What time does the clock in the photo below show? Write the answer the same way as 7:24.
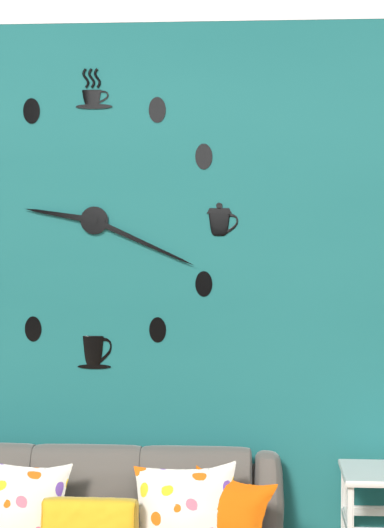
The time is 9:19
